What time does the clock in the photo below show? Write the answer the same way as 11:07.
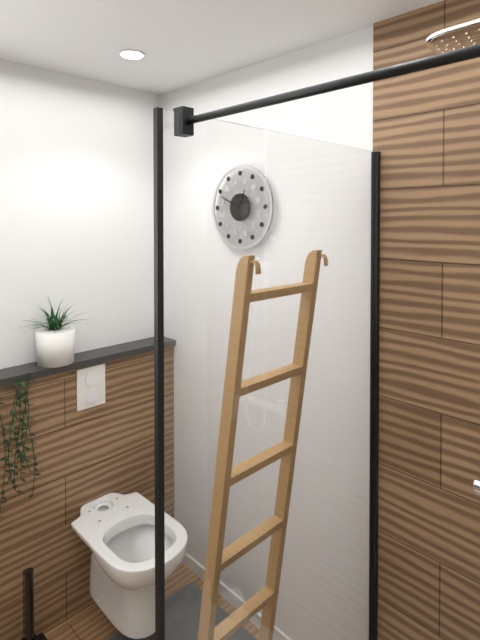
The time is 12:49
